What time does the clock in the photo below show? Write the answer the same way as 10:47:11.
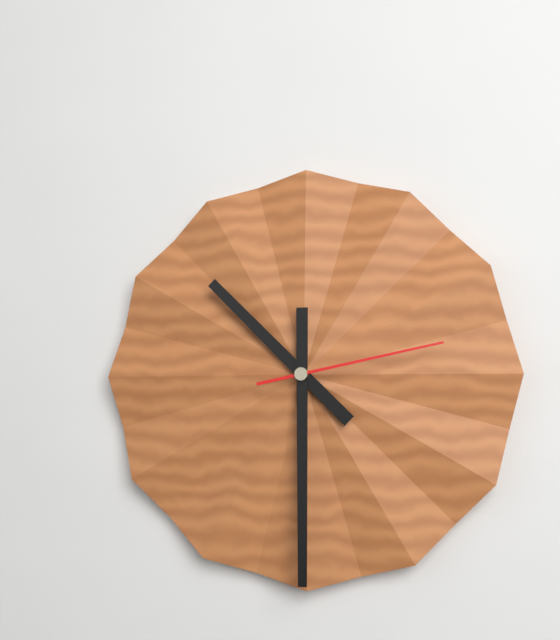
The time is 10:30:13
